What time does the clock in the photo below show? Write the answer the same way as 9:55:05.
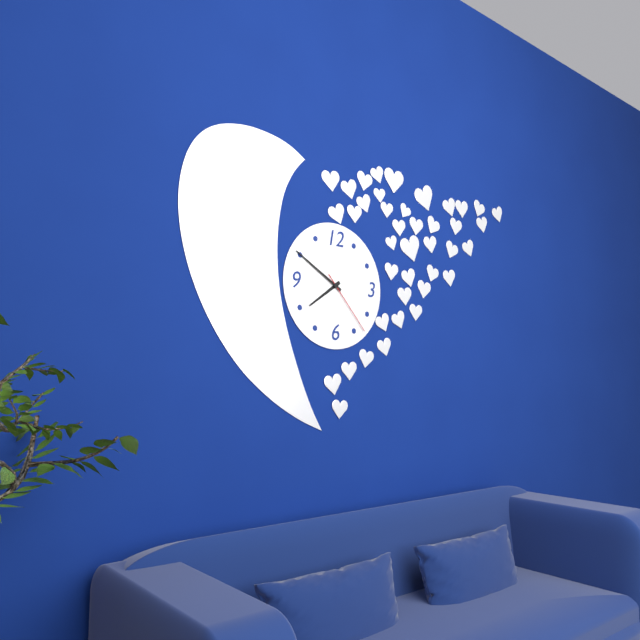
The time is 7:50:23
